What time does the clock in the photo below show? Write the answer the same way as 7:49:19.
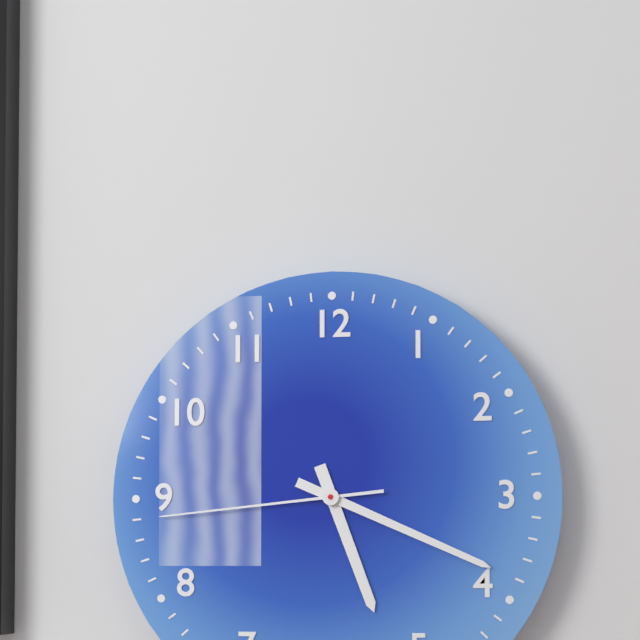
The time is 5:19:44
